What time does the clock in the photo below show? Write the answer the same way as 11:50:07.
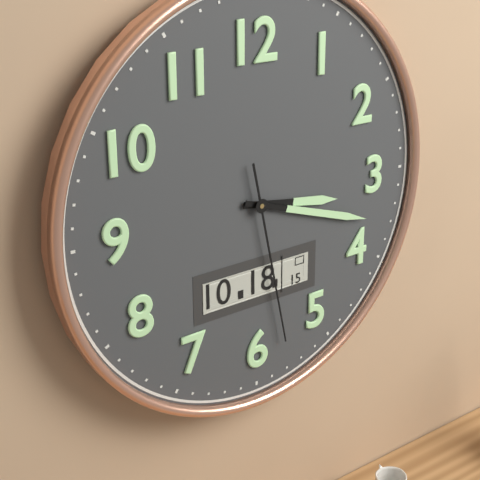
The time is 3:18:28
